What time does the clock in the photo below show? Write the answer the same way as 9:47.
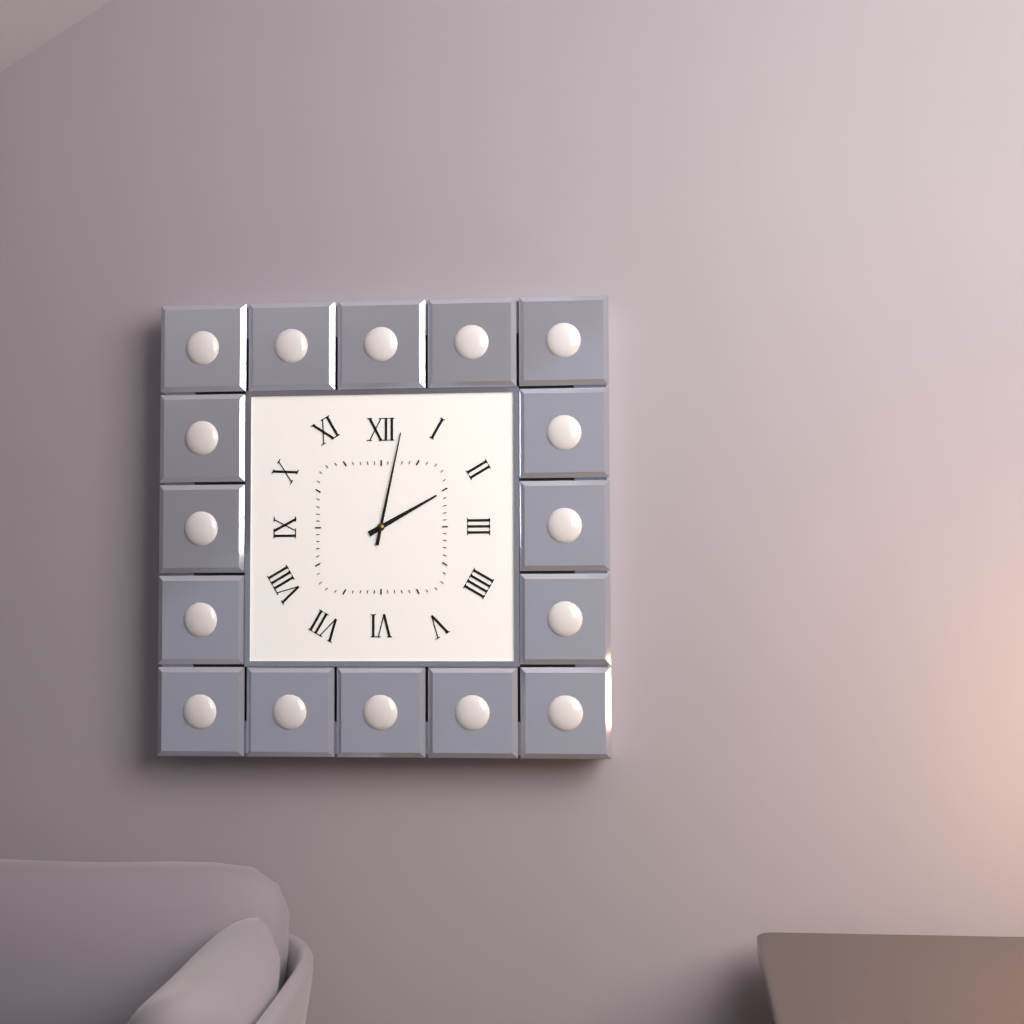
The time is 2:02
